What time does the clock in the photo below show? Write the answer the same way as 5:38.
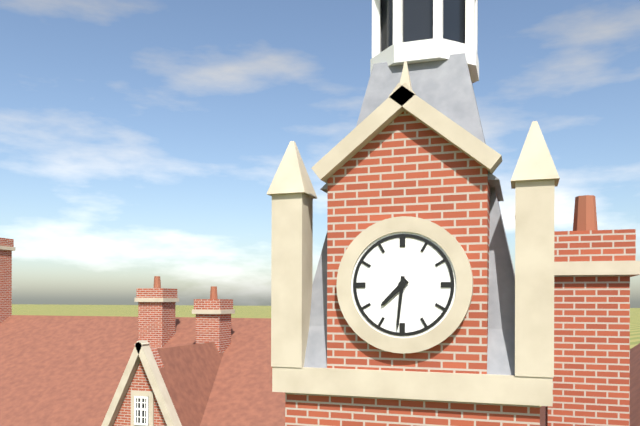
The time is 7:31
